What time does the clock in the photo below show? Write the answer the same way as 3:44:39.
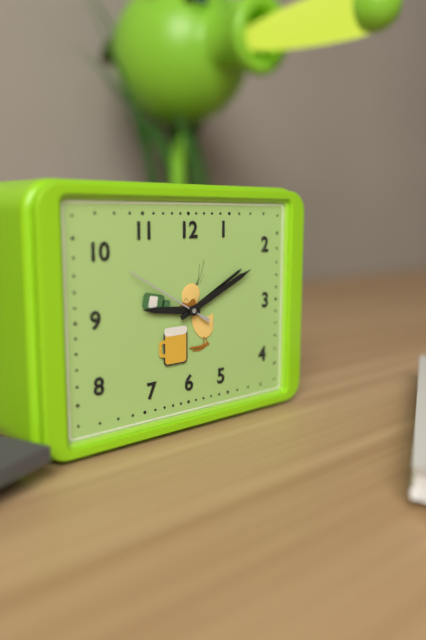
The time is 9:11:50
